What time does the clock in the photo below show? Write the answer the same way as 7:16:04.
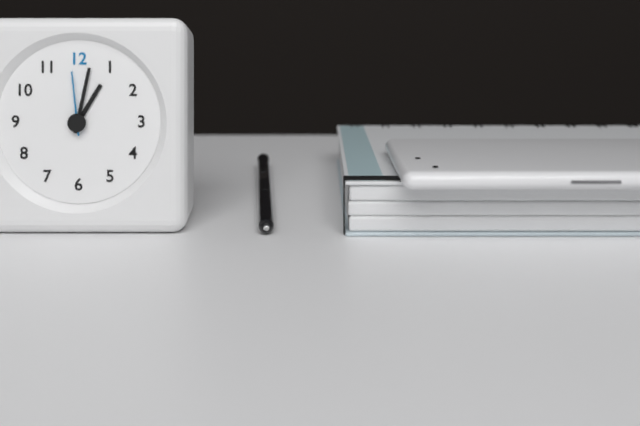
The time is 1:02:59
